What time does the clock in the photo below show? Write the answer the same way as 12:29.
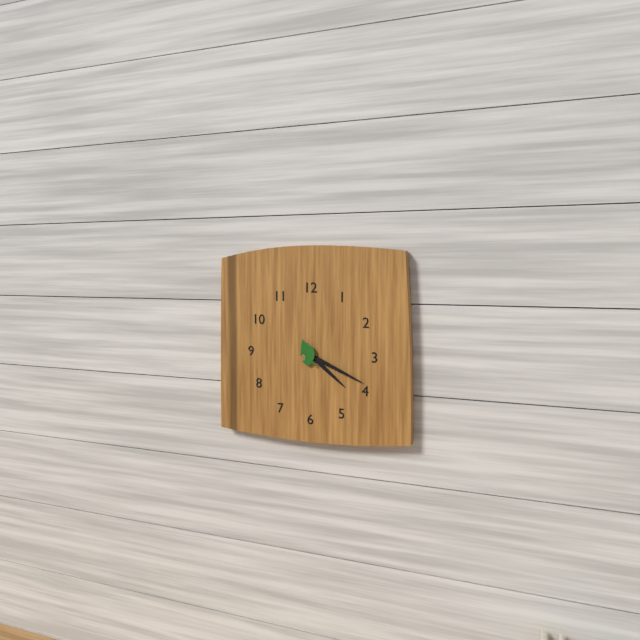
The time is 4:19
